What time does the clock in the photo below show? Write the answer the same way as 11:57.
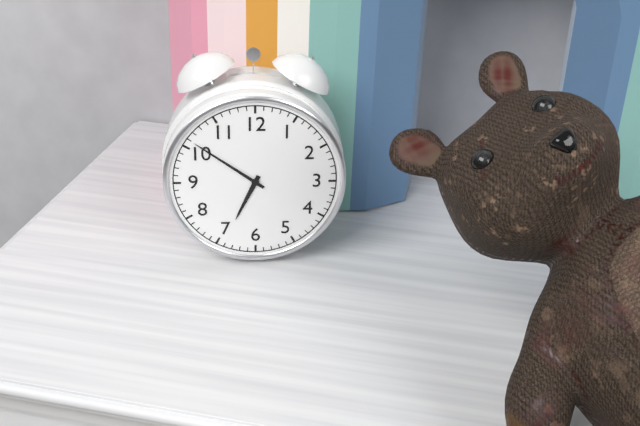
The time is 6:51
